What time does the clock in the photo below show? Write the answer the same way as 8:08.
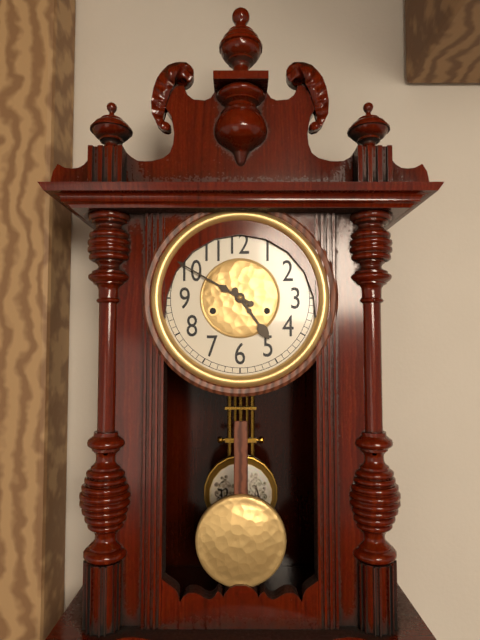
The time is 4:50
